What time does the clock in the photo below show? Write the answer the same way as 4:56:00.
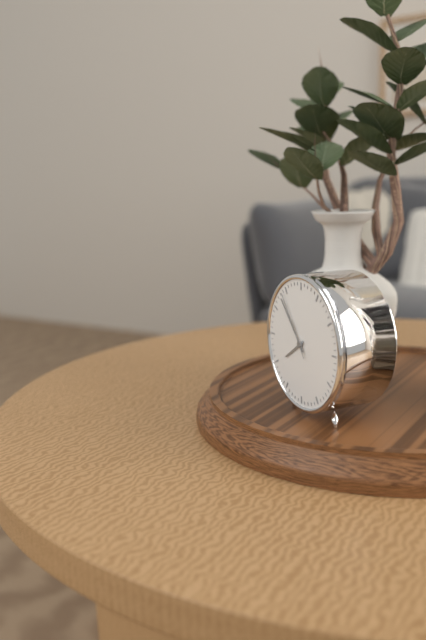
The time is 7:53:54
